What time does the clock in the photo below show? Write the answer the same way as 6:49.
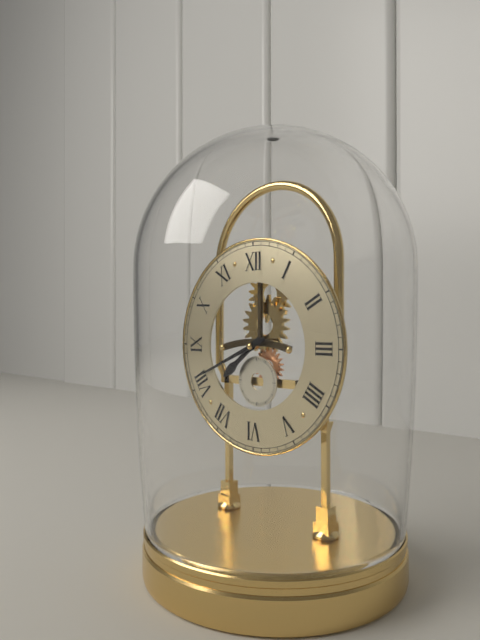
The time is 7:41
